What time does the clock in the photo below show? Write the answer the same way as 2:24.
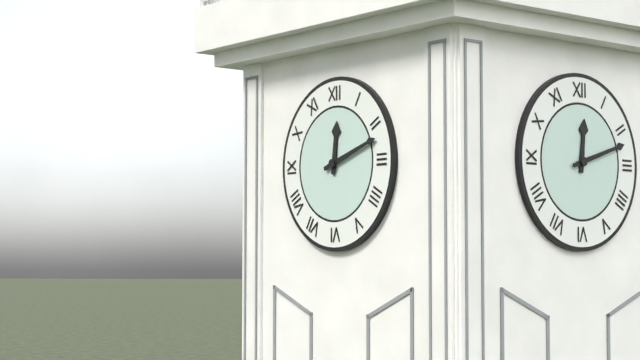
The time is 12:12
